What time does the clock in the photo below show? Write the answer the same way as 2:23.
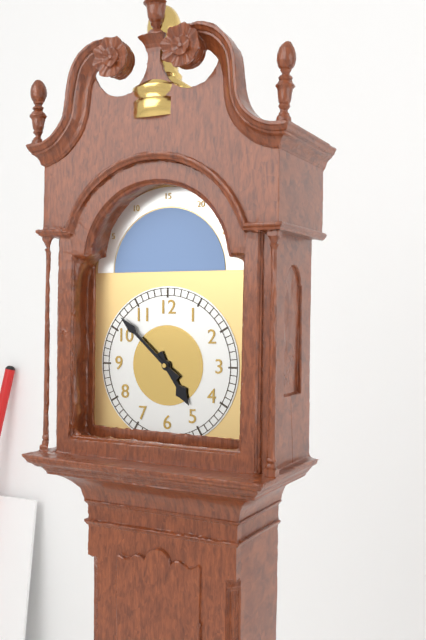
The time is 4:52
